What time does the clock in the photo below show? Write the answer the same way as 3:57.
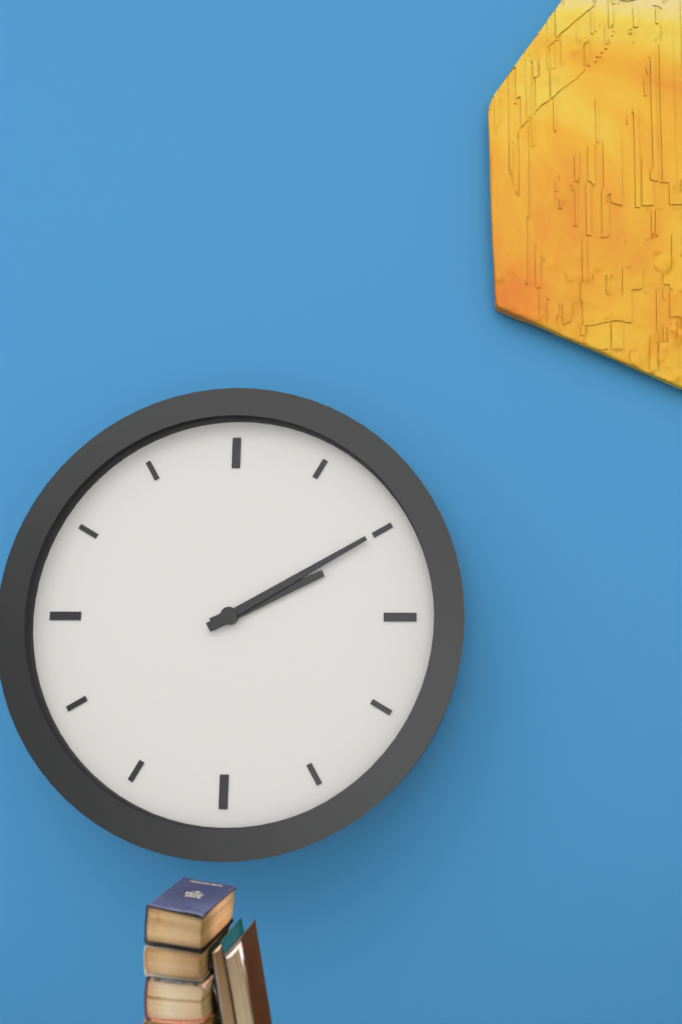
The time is 2:10
